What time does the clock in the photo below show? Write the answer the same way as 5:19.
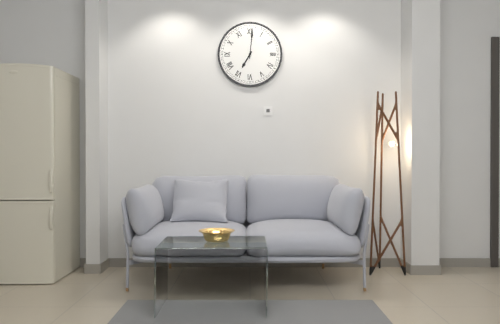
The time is 7:01
